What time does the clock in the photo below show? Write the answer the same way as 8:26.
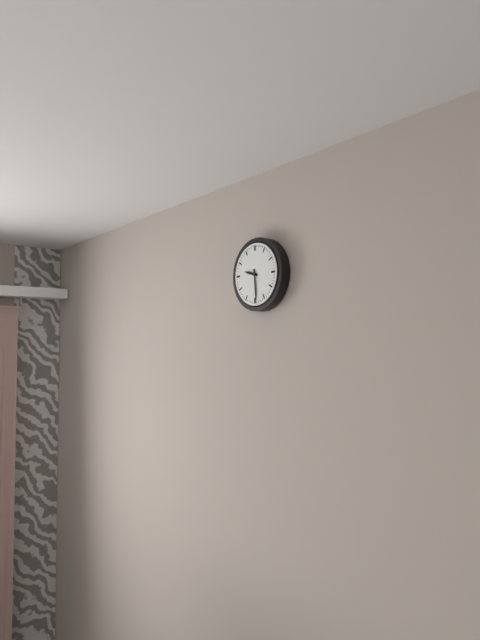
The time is 9:29
